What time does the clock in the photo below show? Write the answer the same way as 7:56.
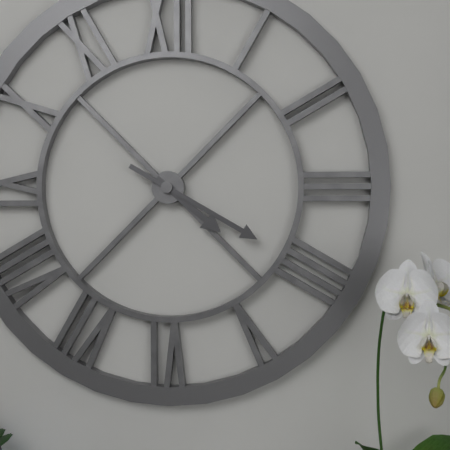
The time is 4:20
